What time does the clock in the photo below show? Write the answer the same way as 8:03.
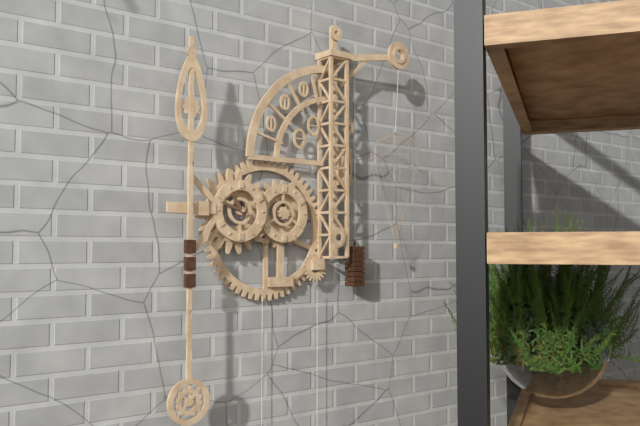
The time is 10:48
